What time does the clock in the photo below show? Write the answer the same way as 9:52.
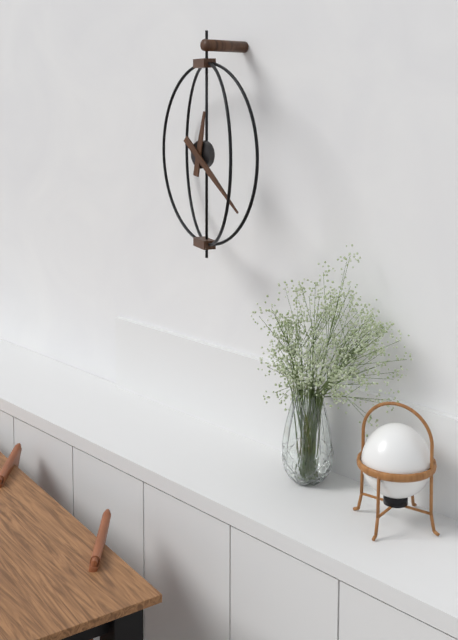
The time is 12:22
